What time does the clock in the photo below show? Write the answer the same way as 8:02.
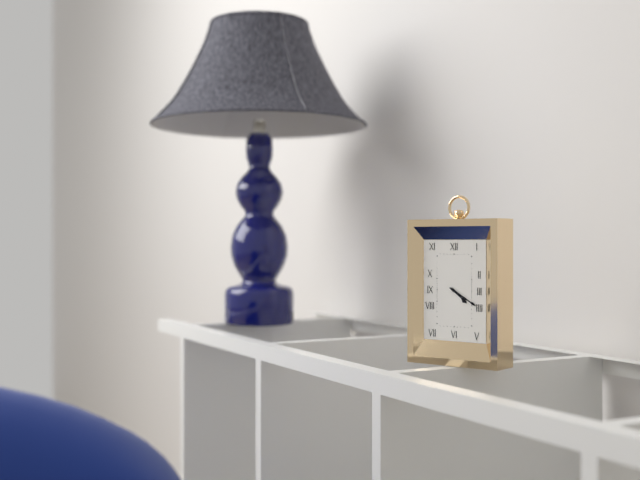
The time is 4:20
